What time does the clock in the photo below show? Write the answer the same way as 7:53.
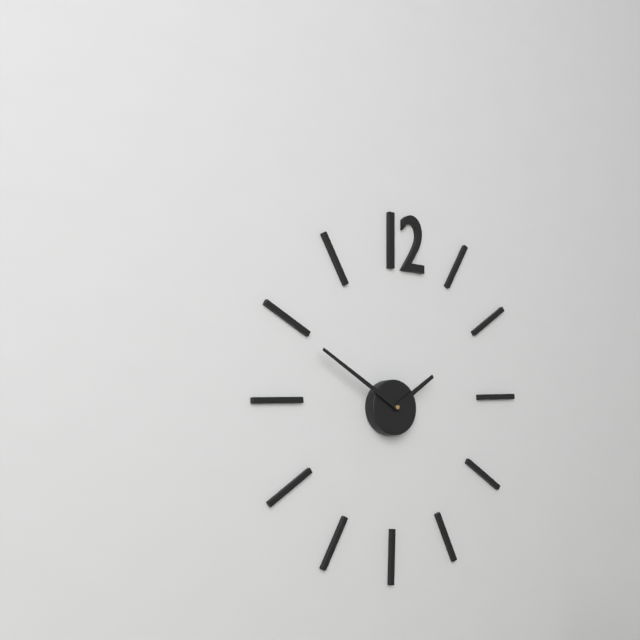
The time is 1:50
